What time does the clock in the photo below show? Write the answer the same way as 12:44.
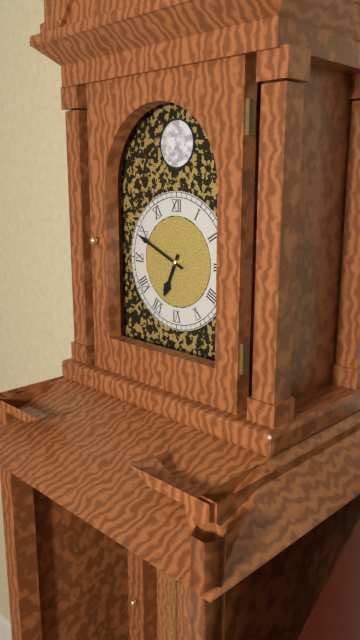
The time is 6:49
